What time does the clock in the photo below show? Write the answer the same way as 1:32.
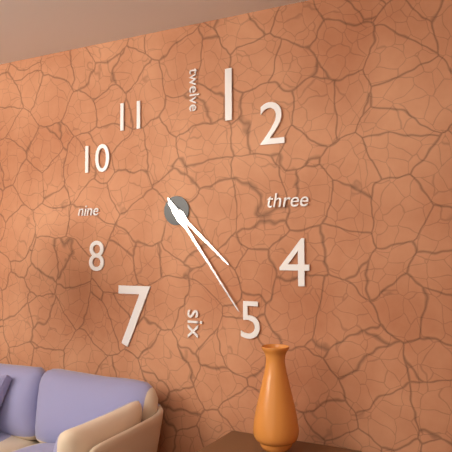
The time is 4:24
